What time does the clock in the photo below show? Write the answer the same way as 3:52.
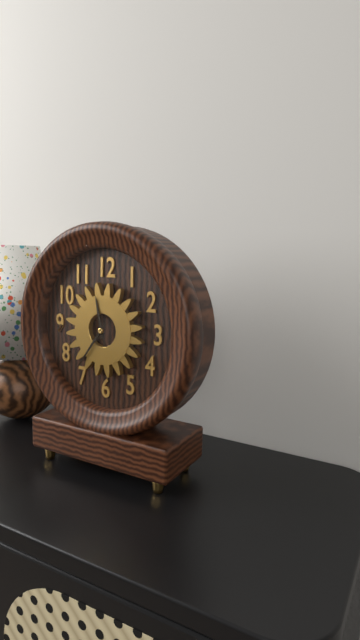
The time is 11:36
